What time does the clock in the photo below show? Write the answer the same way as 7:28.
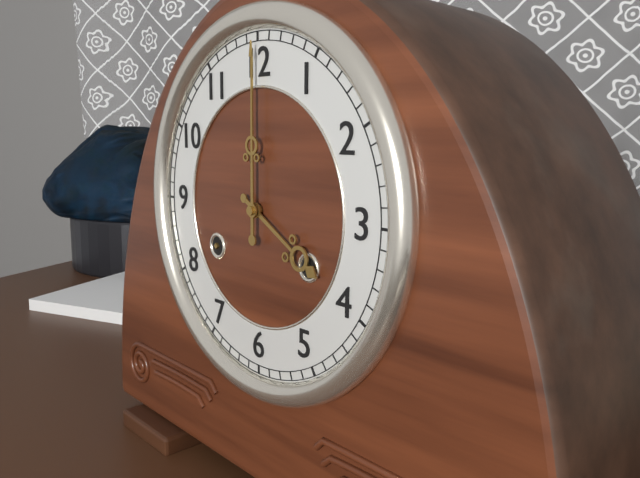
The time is 4:00
